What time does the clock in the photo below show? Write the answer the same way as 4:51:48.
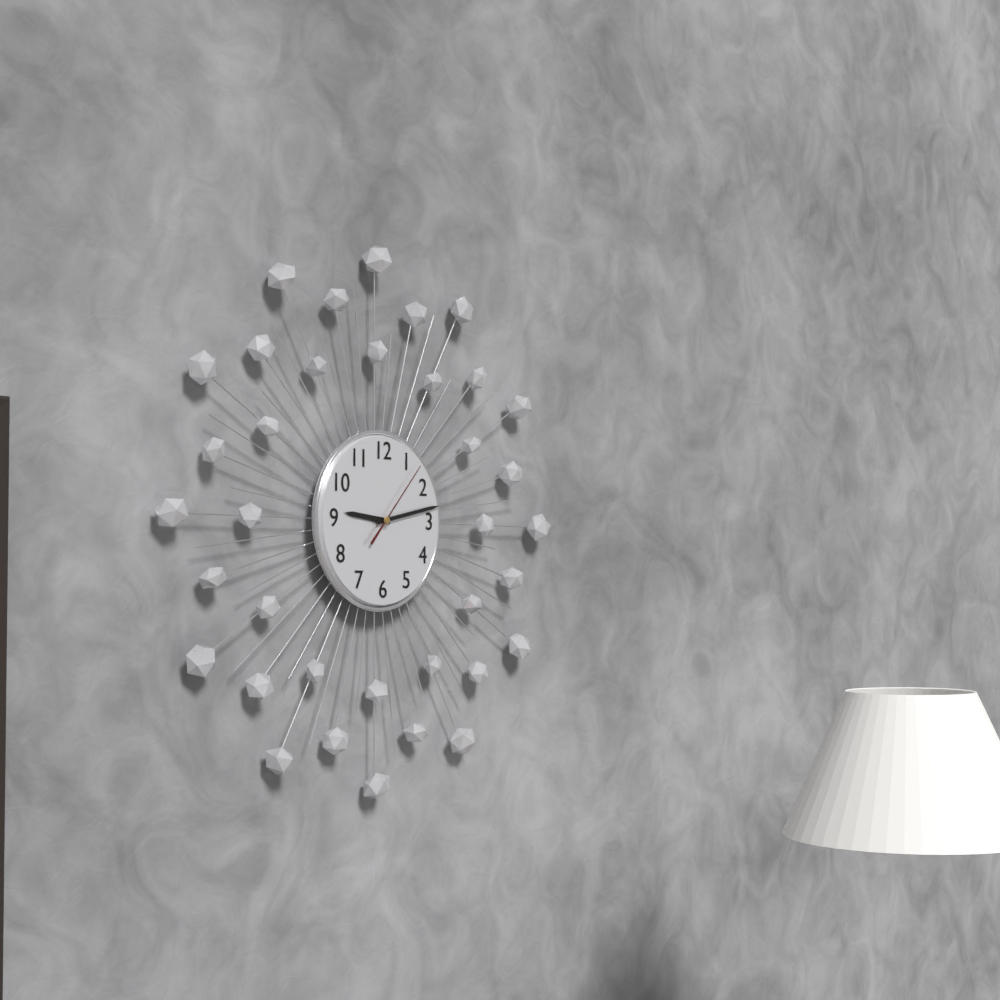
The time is 9:13:07
